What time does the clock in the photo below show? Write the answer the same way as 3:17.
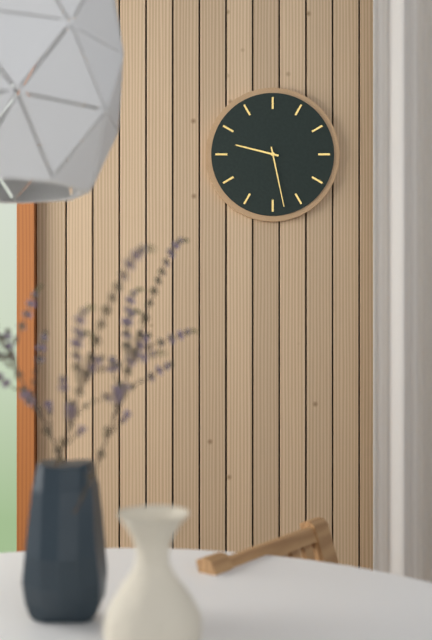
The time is 9:28
